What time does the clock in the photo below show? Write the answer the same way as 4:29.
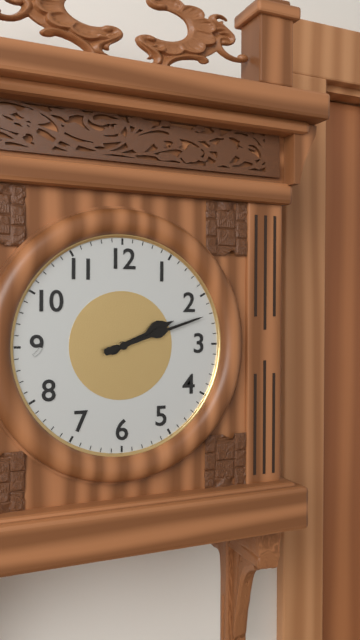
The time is 2:12
